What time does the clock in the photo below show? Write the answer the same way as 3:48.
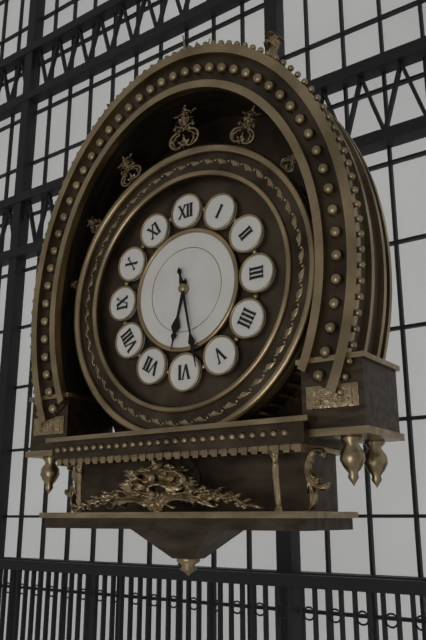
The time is 6:28
